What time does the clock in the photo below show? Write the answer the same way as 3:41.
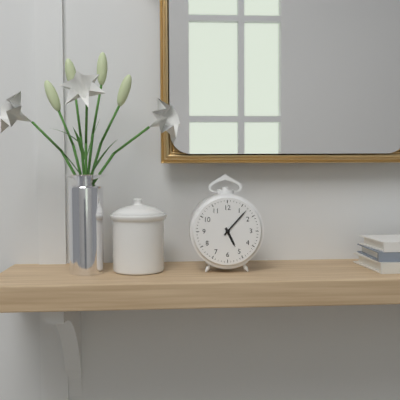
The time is 5:07
